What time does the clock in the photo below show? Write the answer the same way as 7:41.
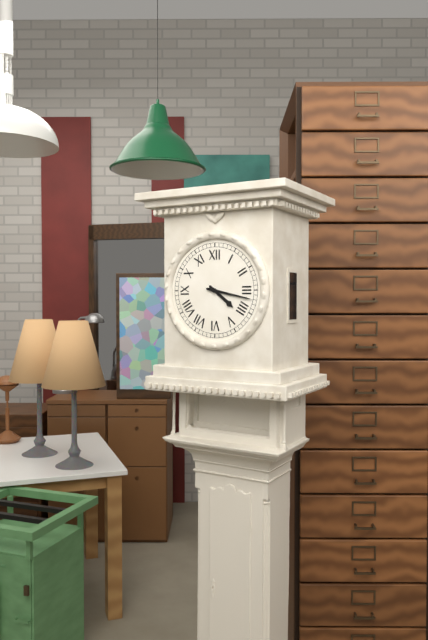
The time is 4:17
